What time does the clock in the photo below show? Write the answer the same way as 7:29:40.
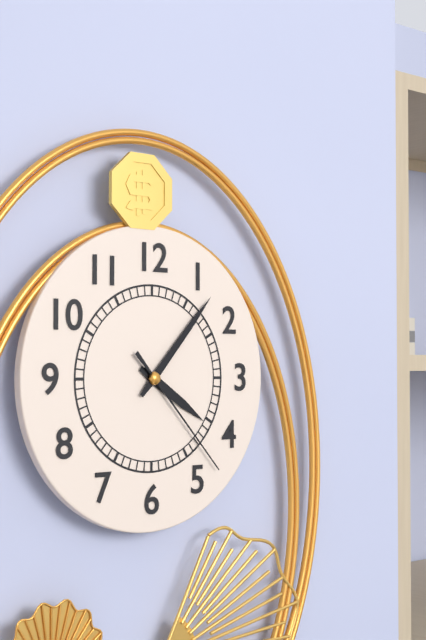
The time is 4:07:23
